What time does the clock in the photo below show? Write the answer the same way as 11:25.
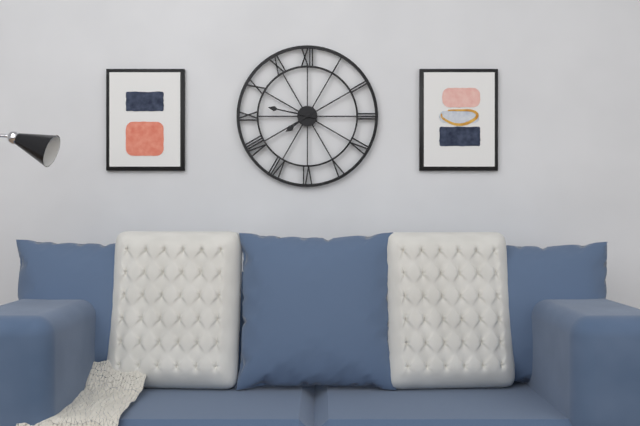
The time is 7:47
